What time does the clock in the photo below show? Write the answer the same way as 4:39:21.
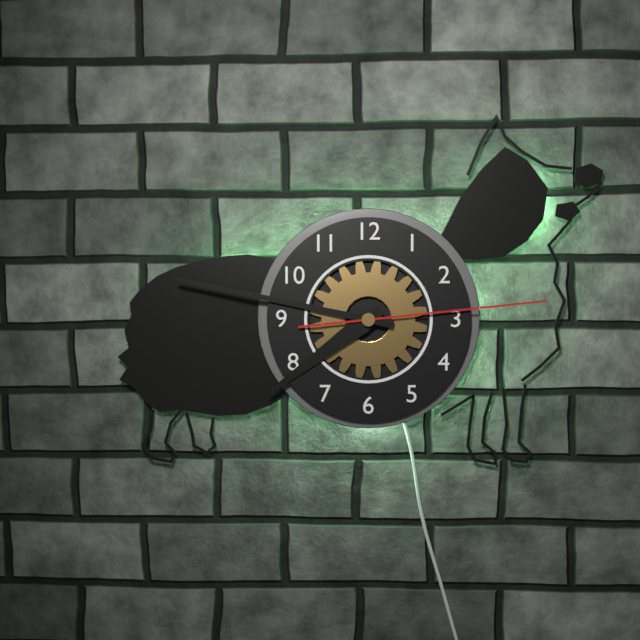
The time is 7:47:14
